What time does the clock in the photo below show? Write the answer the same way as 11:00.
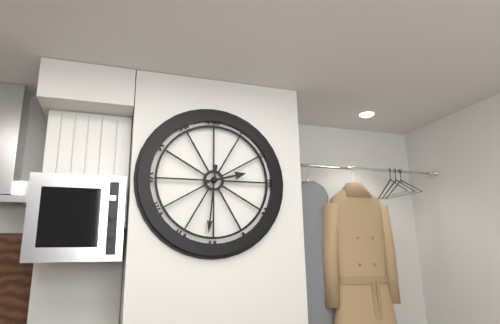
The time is 2:31
